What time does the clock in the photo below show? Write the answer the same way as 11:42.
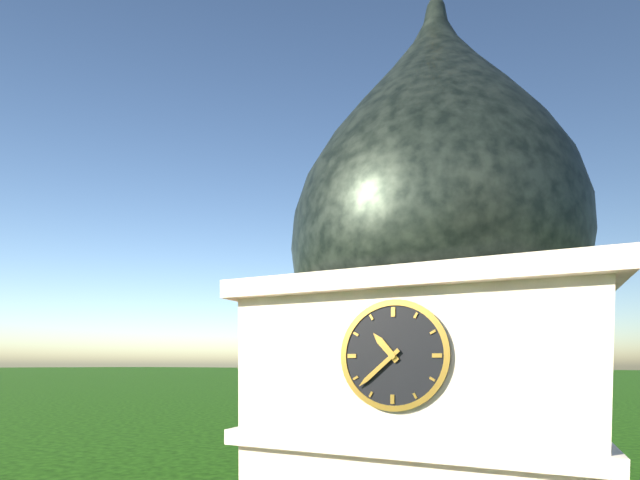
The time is 10:38
